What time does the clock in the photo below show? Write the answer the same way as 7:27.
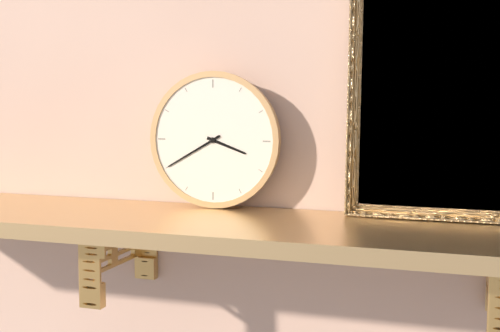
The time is 3:40
